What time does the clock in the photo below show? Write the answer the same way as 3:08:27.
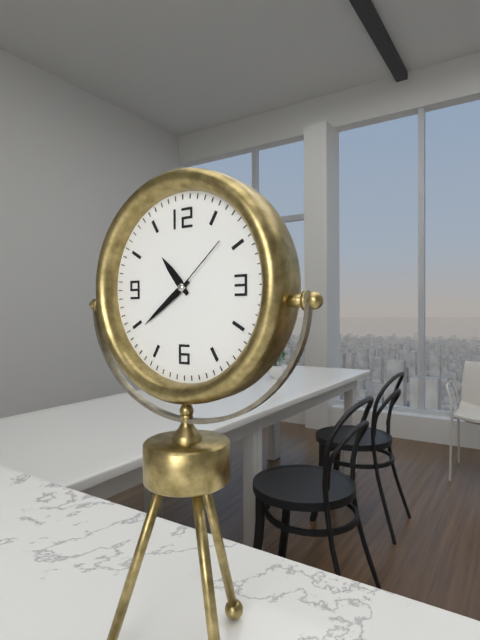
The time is 10:39:08
